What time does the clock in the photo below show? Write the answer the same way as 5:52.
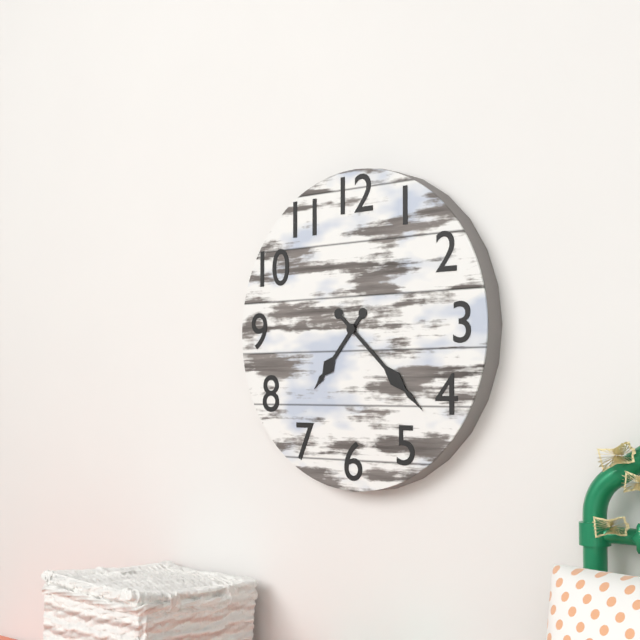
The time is 7:22
